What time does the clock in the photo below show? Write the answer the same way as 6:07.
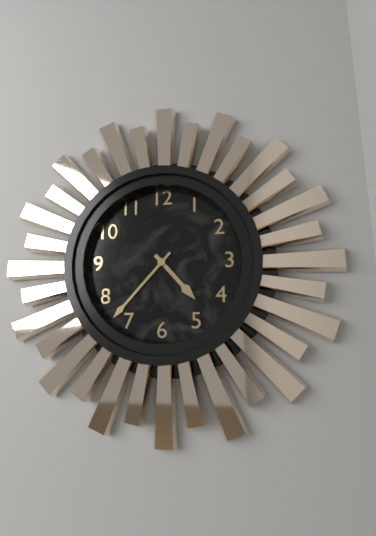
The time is 4:37
